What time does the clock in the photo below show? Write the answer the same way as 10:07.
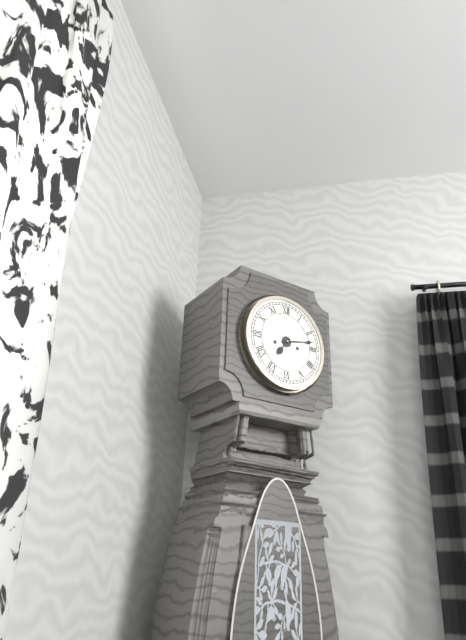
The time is 7:13
